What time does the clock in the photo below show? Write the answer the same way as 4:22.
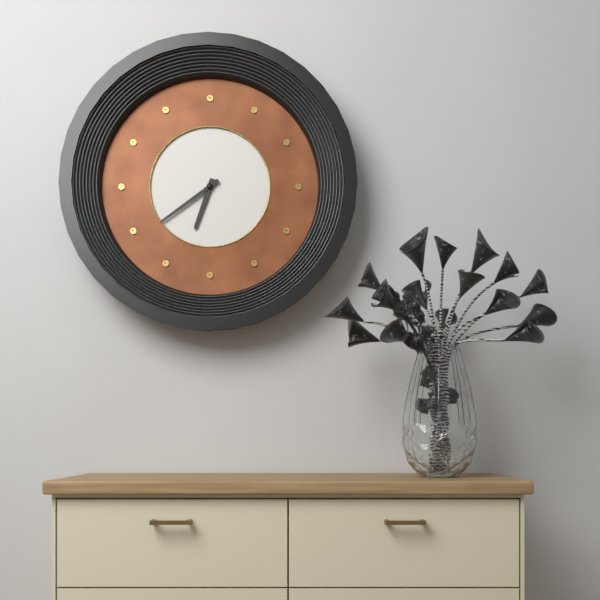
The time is 6:39
